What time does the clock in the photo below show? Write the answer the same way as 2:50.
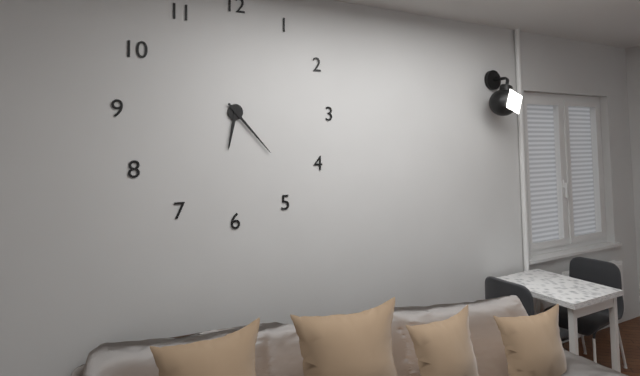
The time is 6:23
